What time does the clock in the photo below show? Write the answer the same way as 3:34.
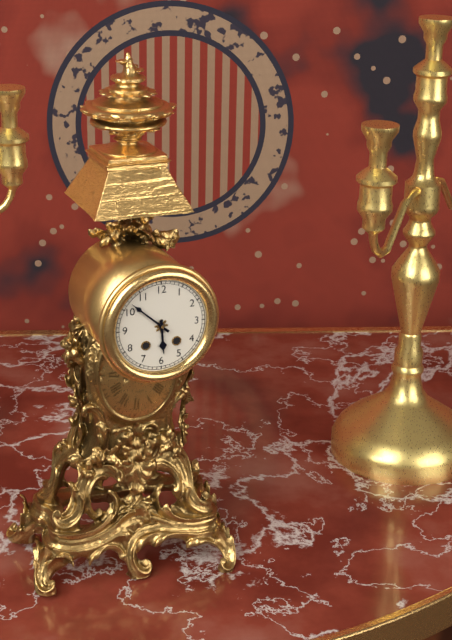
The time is 5:52
